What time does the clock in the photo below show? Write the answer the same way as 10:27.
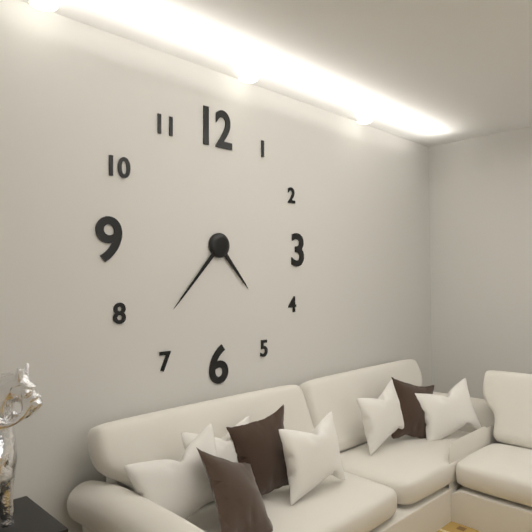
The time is 4:37
